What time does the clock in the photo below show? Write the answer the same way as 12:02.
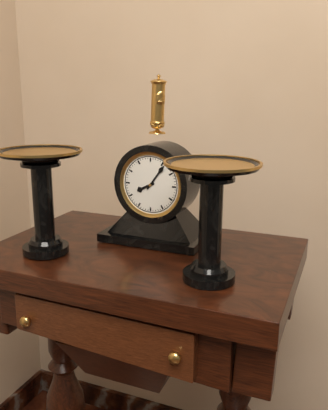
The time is 8:06
